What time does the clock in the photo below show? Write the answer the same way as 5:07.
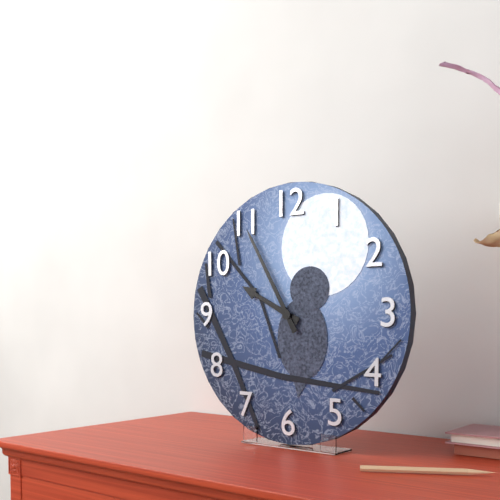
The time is 9:55
